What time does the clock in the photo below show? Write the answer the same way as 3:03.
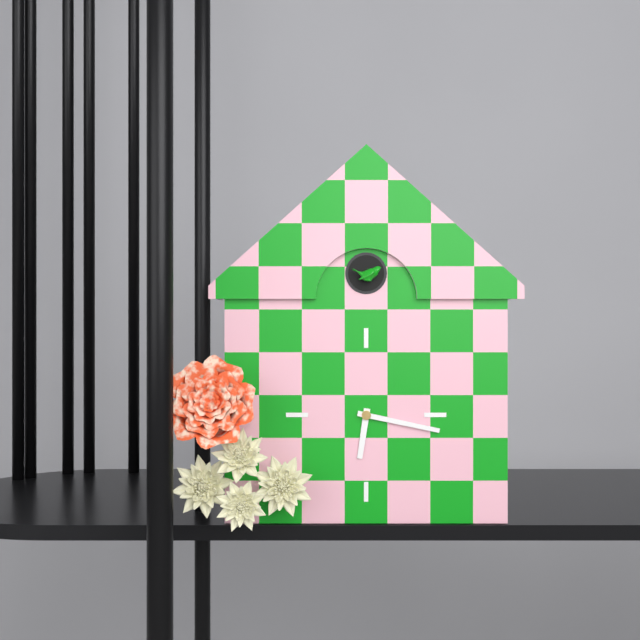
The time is 6:17
